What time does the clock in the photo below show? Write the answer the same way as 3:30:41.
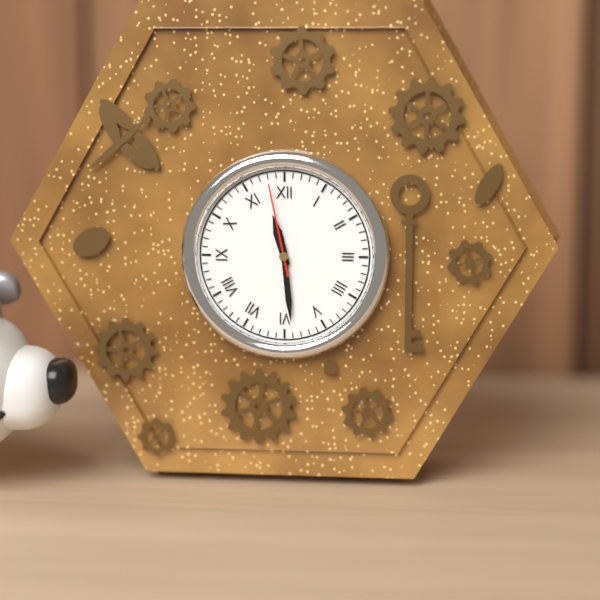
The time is 11:29:58
